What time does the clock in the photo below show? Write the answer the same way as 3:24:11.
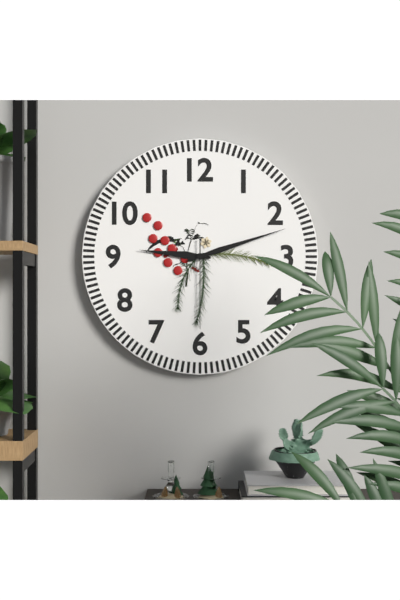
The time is 9:12:30
